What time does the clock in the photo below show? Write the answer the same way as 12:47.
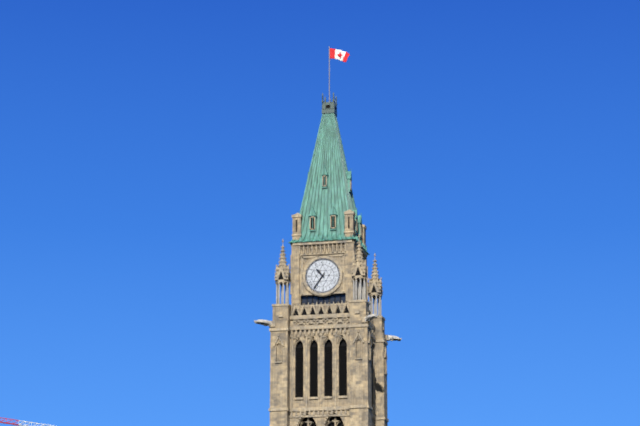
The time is 10:36
